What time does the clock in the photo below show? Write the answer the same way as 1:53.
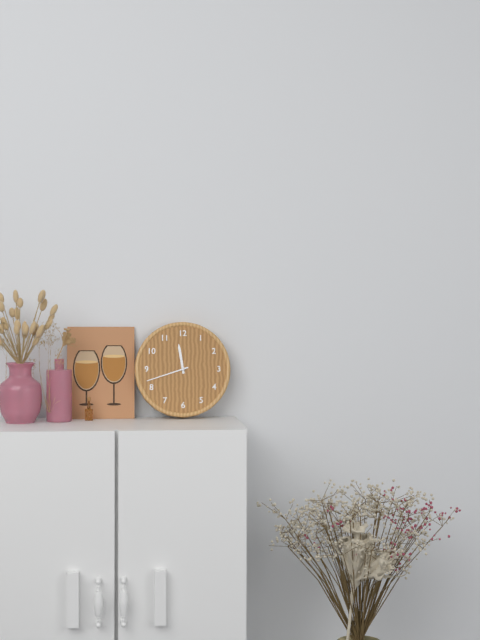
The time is 11:42
